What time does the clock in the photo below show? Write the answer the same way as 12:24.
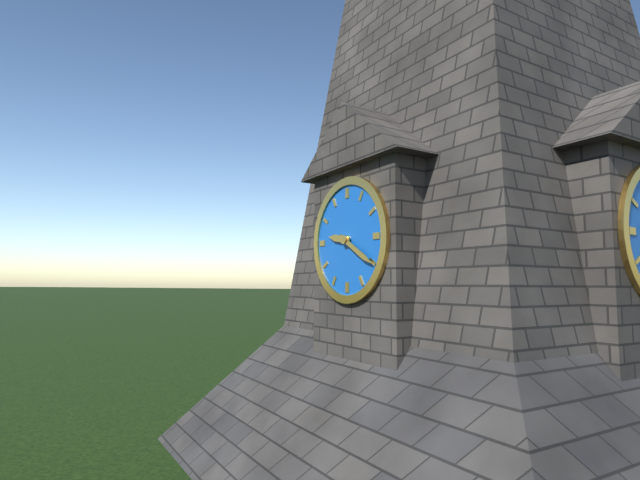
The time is 9:20
